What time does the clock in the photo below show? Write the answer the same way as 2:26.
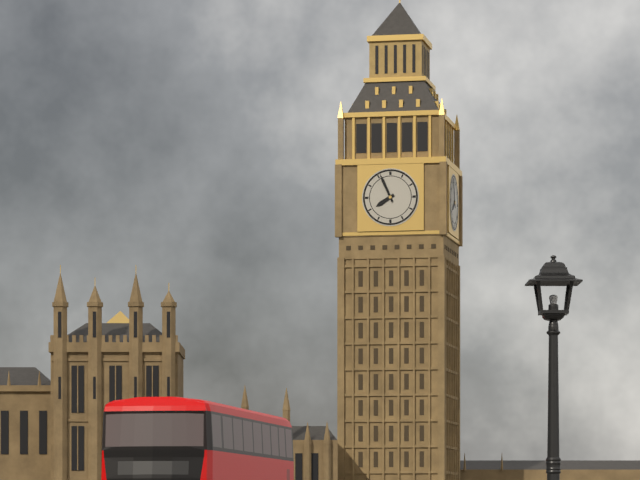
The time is 7:56
